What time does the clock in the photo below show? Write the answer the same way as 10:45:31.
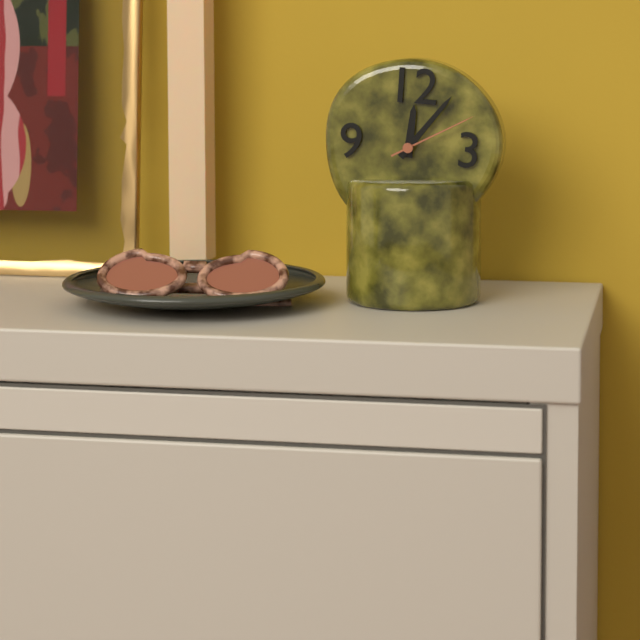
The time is 12:06:10
